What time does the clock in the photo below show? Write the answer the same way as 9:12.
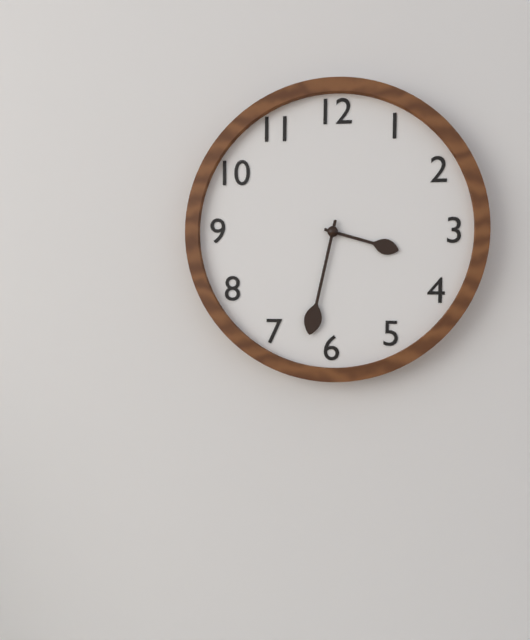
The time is 3:32
